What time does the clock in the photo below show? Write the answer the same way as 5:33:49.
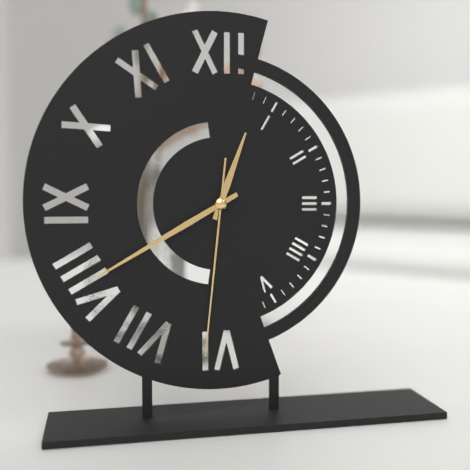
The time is 12:40:31
